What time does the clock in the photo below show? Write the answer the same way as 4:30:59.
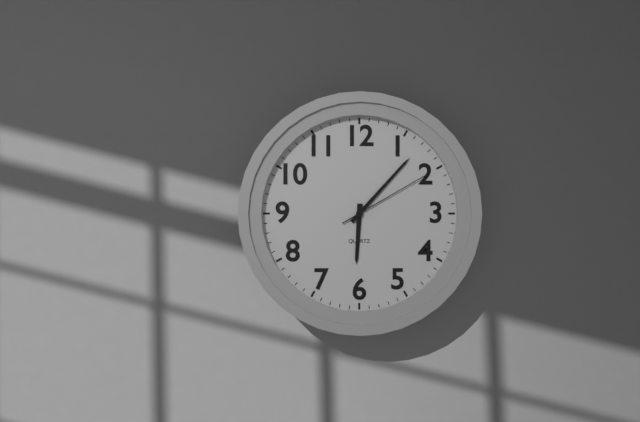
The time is 6:07:10
